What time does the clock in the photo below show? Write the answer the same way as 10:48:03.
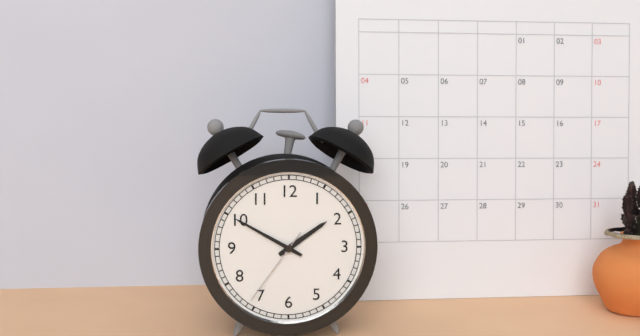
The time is 1:50:36
